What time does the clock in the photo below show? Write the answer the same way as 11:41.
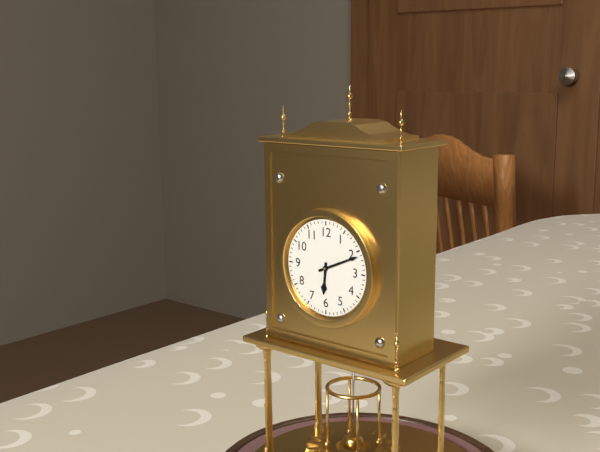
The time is 6:11
